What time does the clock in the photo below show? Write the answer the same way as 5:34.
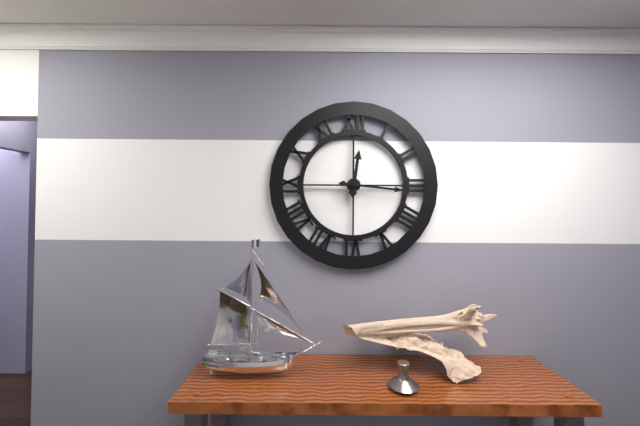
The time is 12:16
